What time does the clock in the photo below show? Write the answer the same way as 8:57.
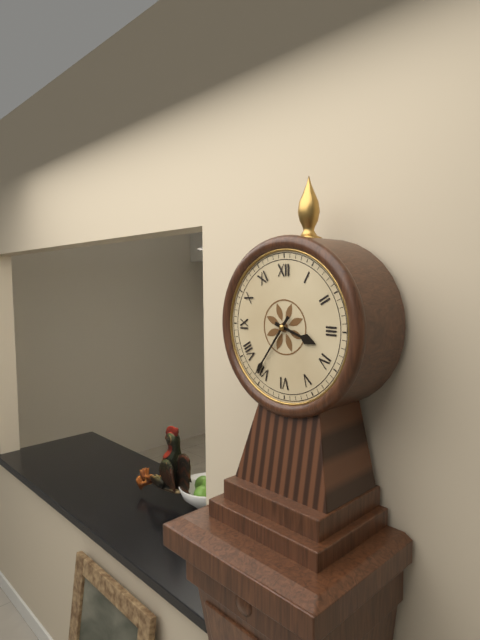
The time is 3:36
